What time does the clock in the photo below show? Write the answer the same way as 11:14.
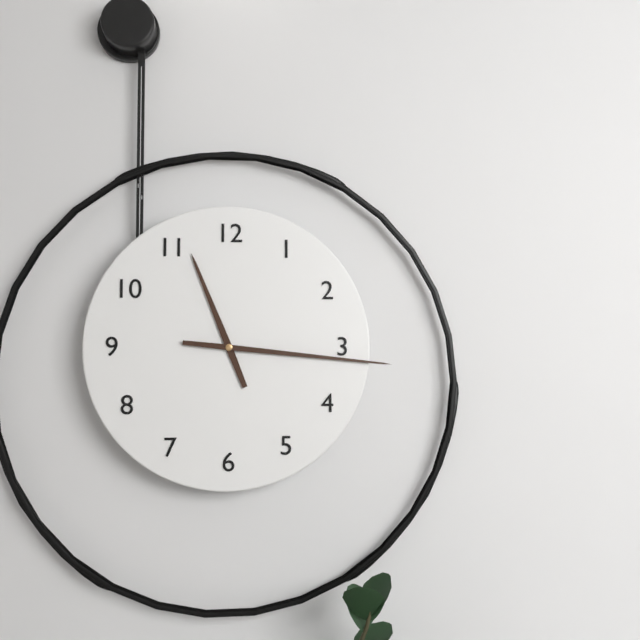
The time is 11:16
